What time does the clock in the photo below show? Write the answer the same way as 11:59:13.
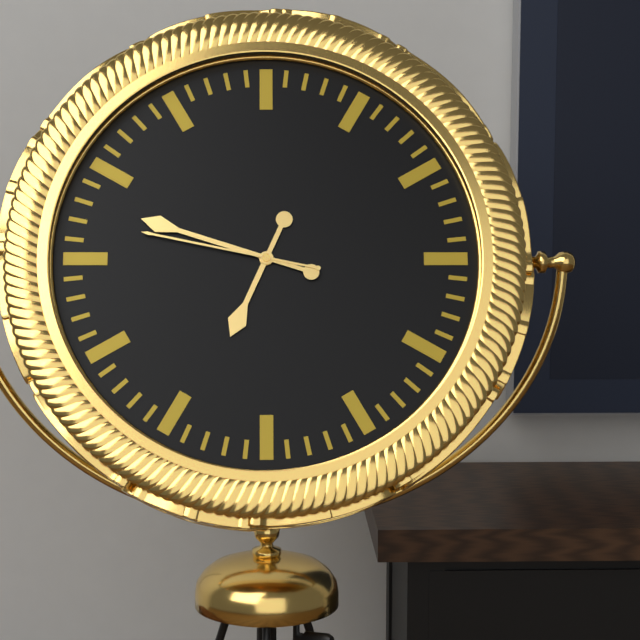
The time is 6:48:47
